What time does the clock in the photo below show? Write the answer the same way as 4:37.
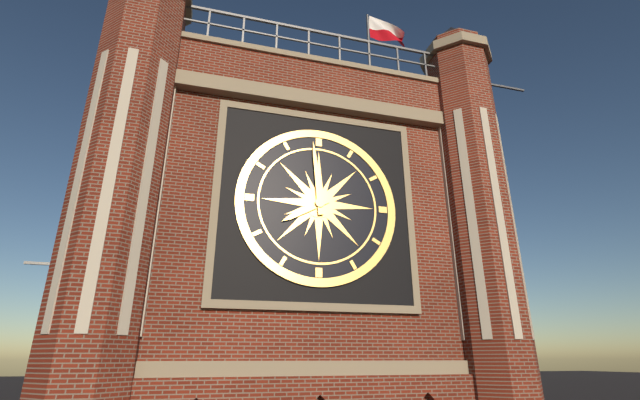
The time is 7:59
